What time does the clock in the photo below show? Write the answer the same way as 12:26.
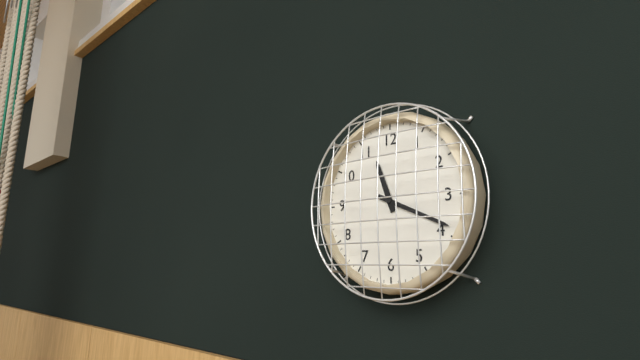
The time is 11:19
